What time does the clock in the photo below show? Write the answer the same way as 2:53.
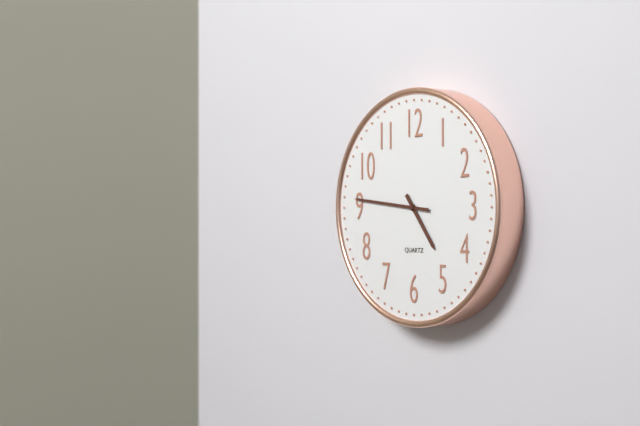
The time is 4:46
